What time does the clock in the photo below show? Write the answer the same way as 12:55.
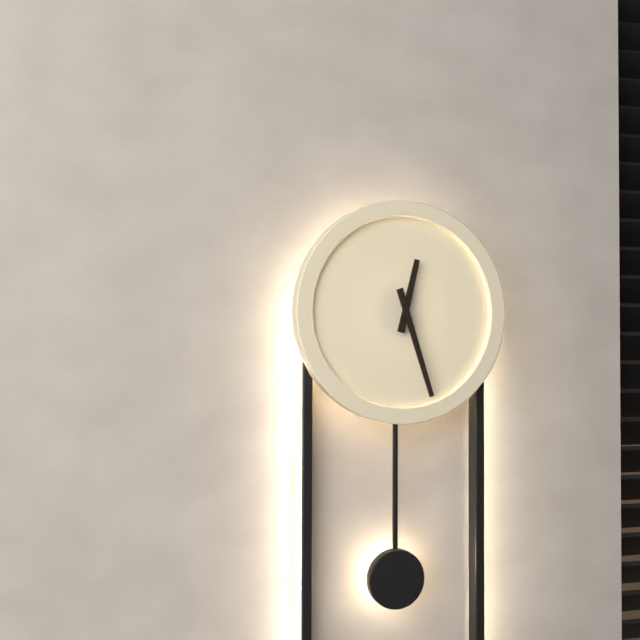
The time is 12:27
